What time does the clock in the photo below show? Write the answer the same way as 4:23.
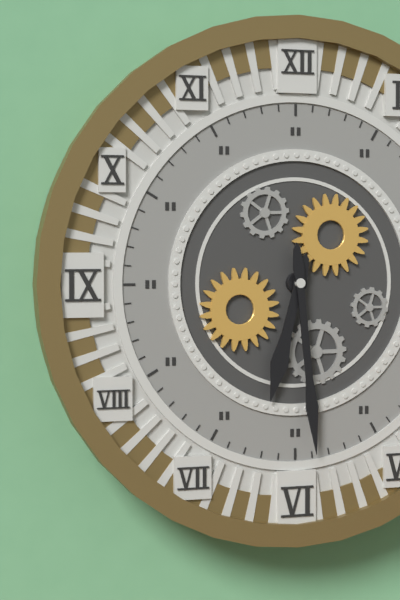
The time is 6:29
